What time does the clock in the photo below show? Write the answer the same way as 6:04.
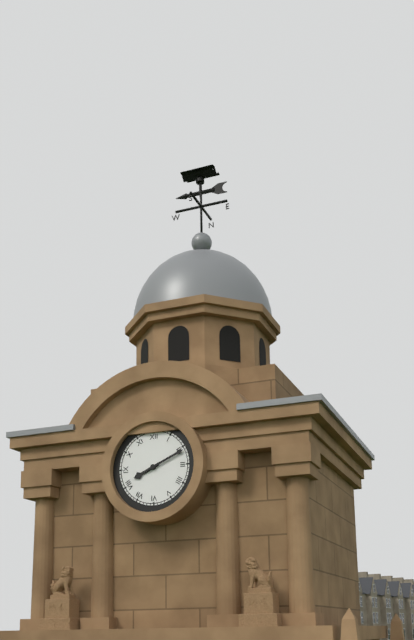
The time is 8:11
